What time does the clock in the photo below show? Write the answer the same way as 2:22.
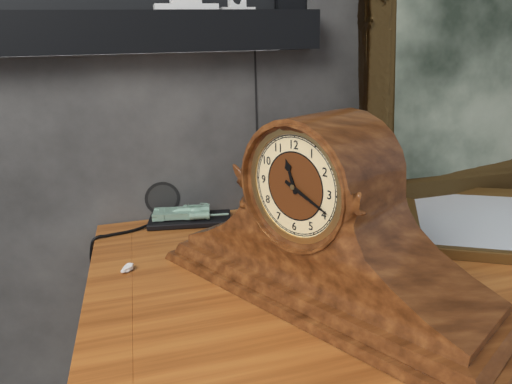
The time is 11:19
